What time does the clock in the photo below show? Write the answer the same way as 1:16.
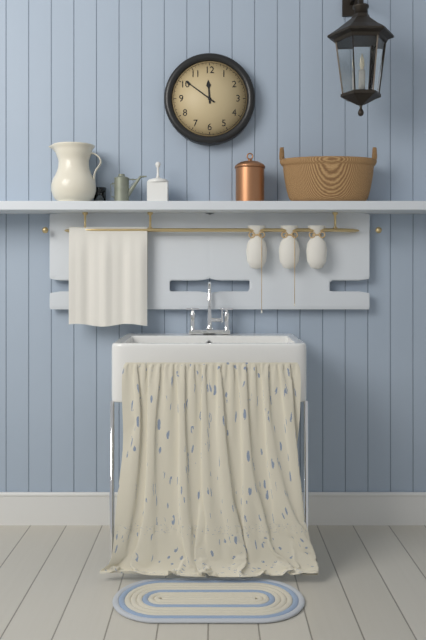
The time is 11:51
